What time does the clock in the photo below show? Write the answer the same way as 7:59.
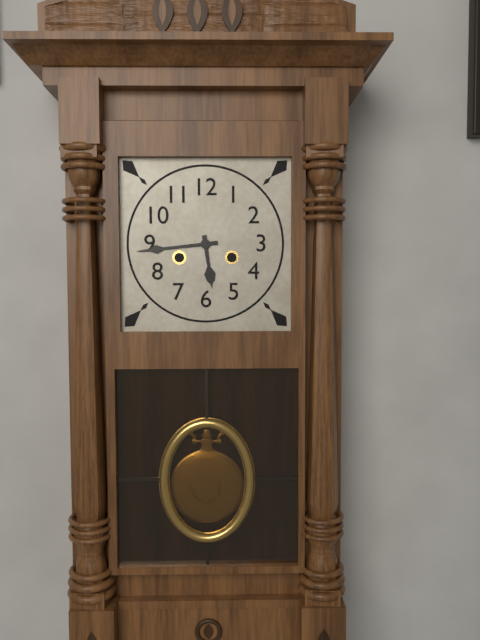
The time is 5:44
